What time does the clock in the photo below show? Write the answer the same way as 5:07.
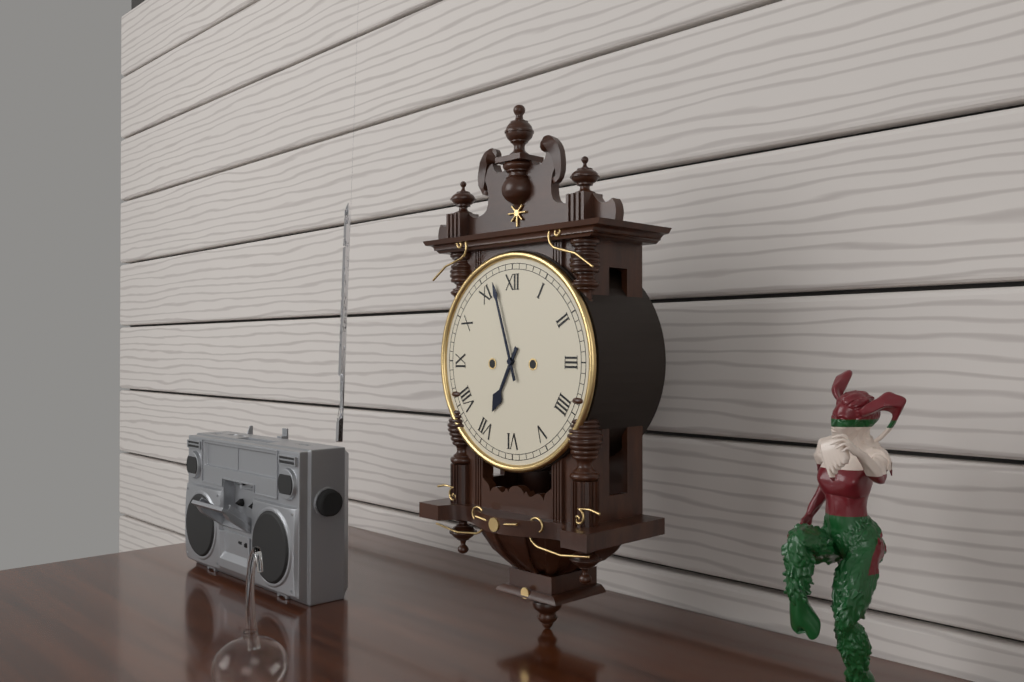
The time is 6:57
